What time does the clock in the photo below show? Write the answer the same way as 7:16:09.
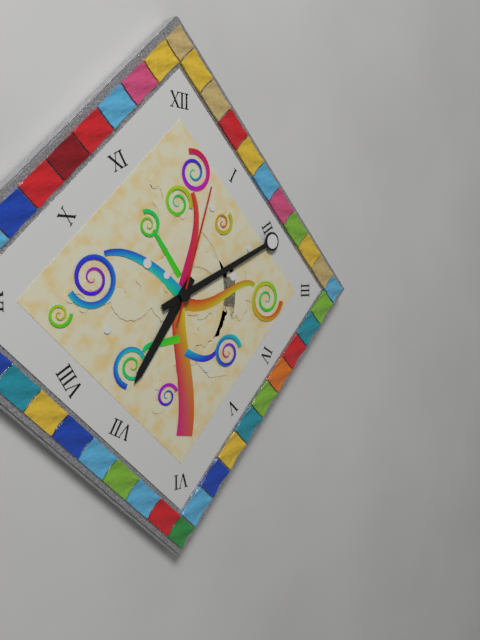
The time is 7:11:03
